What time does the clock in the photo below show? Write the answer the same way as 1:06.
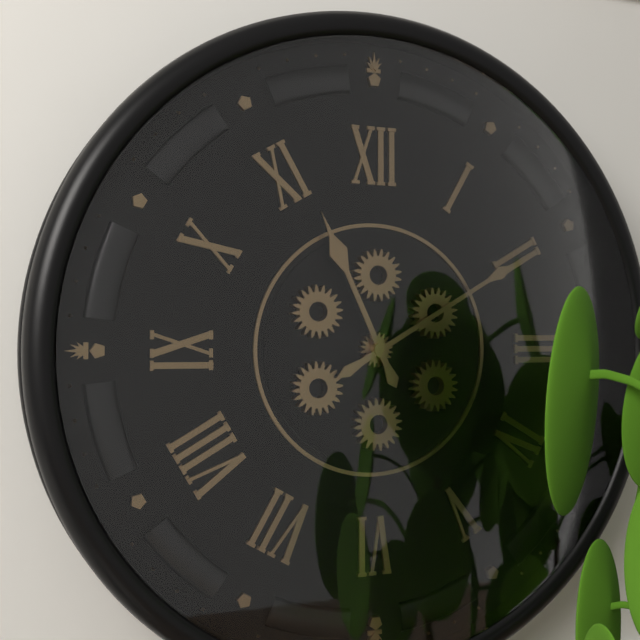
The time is 11:10
